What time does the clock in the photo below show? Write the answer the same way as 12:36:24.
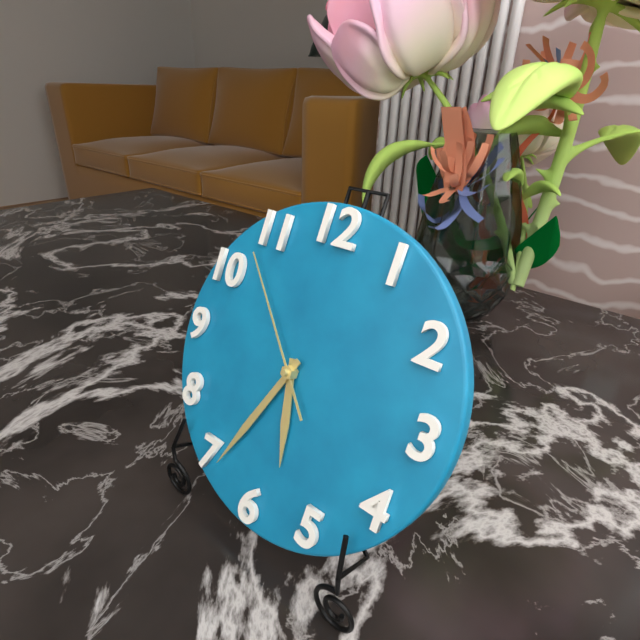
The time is 5:34:53
